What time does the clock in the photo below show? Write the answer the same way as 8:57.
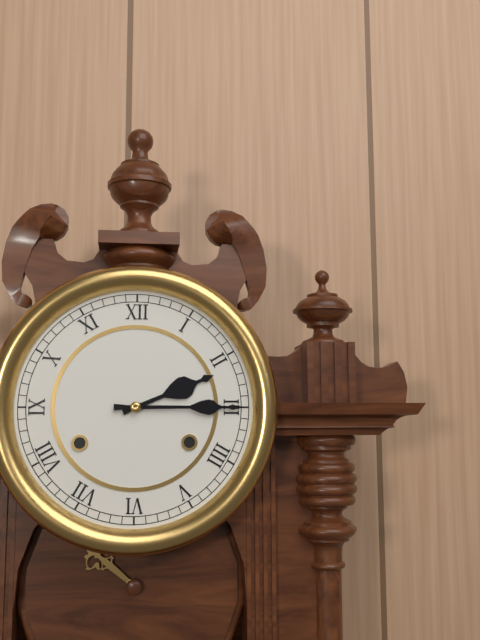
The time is 2:15
